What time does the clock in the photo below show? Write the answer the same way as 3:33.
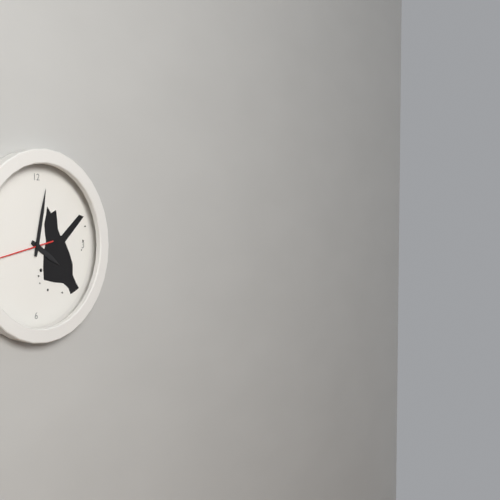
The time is 4:02
